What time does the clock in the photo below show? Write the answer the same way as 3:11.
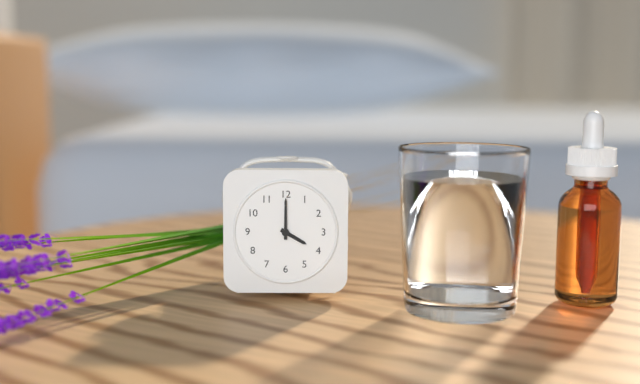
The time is 4:00
